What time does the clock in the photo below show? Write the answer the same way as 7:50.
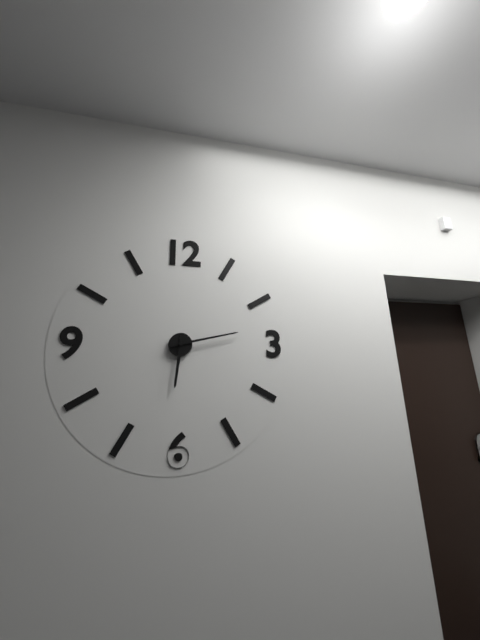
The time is 6:13
